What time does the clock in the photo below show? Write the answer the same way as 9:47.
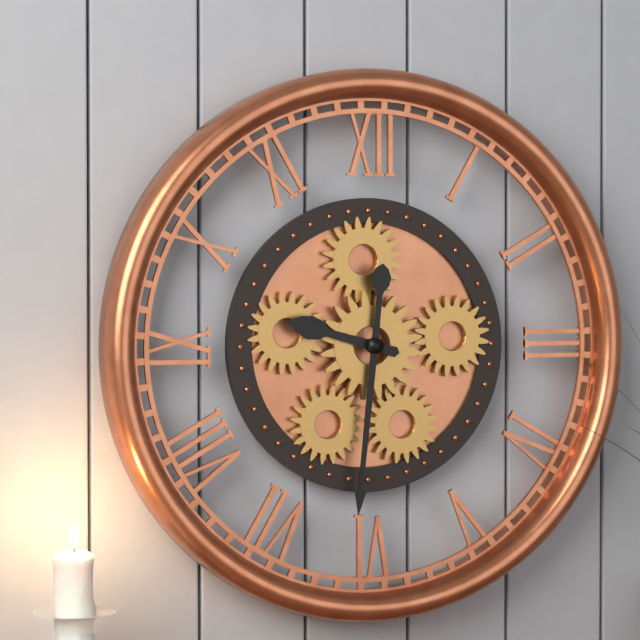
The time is 9:31
